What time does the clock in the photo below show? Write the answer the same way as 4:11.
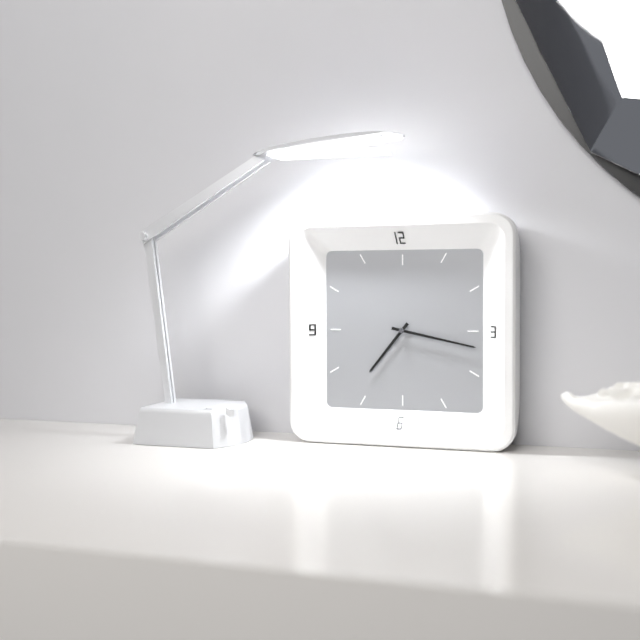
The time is 7:17
